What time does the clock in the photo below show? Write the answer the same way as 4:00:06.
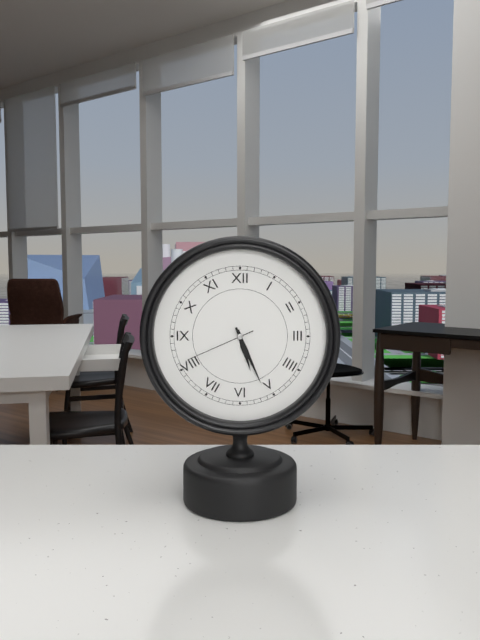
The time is 5:26:41
